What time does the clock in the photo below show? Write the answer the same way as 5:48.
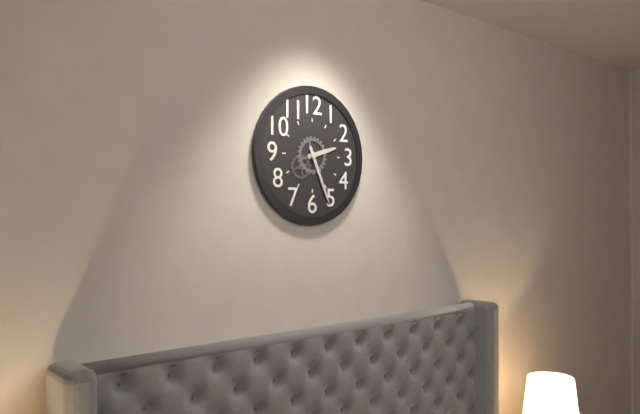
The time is 2:26
